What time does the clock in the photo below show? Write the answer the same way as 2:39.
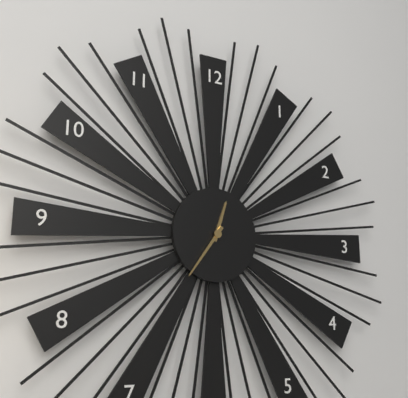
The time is 12:36
